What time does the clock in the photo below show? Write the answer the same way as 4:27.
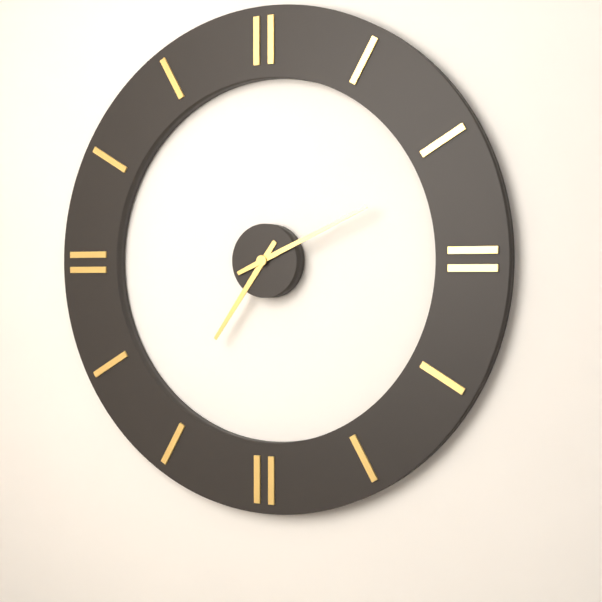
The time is 7:11
